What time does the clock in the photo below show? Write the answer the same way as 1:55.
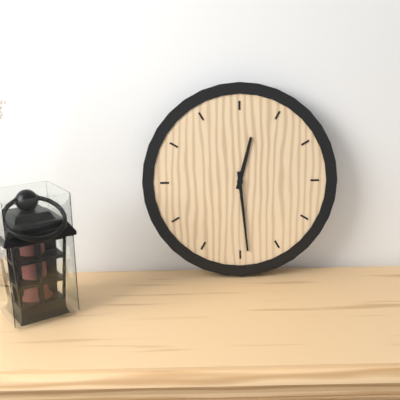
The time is 12:29
